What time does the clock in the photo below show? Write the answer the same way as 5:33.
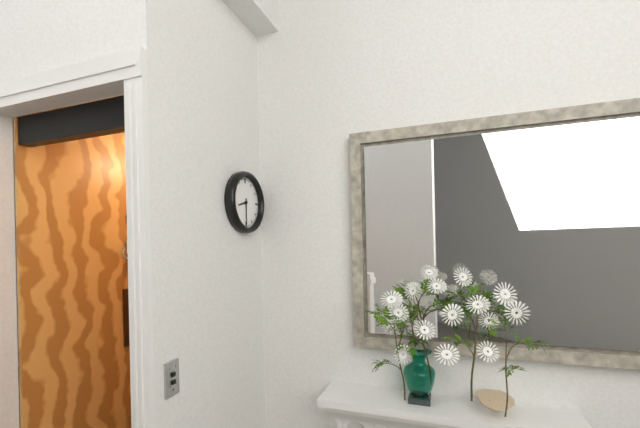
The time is 8:30
